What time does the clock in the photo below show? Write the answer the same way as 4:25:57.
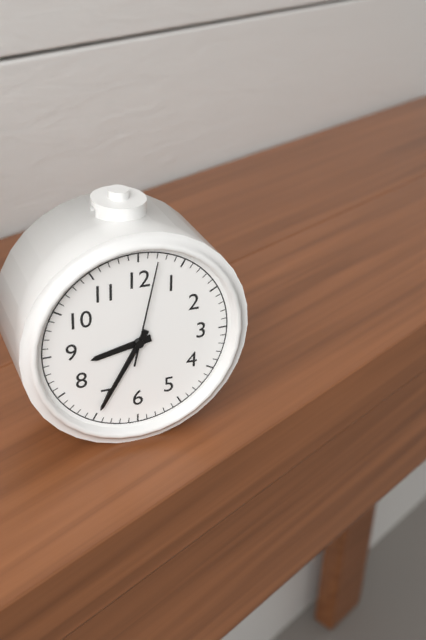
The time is 8:35:02
